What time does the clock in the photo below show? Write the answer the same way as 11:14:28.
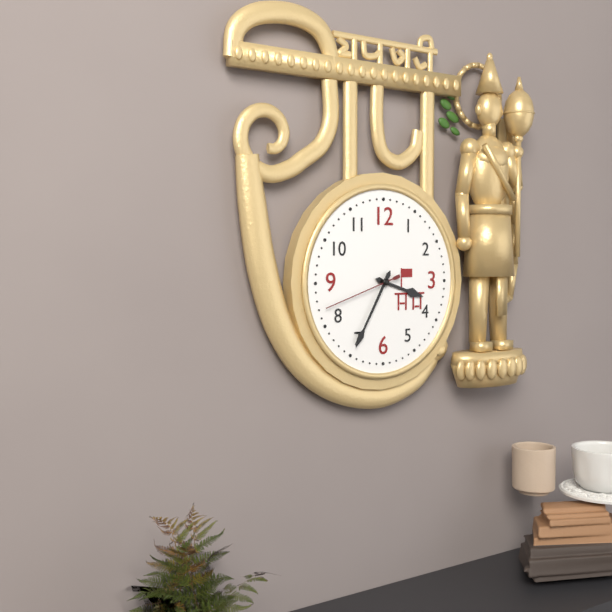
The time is 3:35:42
